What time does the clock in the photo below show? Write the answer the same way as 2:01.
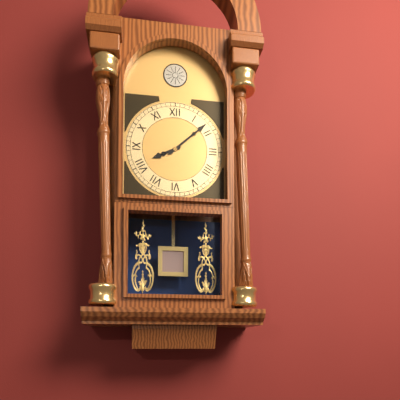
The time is 8:08
